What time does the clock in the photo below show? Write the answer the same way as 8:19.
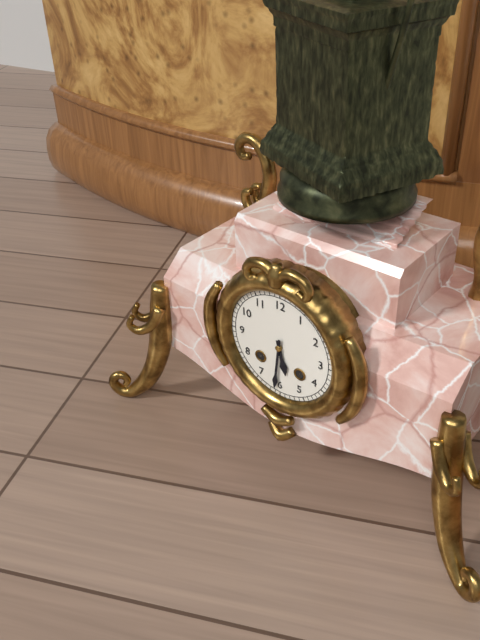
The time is 5:31
